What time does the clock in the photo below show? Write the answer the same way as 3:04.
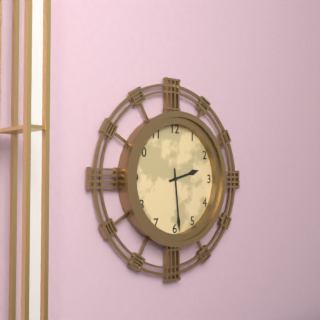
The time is 2:29
